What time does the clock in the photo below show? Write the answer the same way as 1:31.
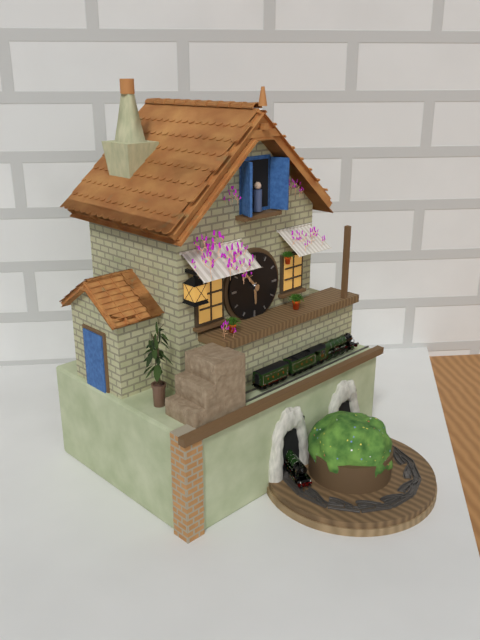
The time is 5:53
